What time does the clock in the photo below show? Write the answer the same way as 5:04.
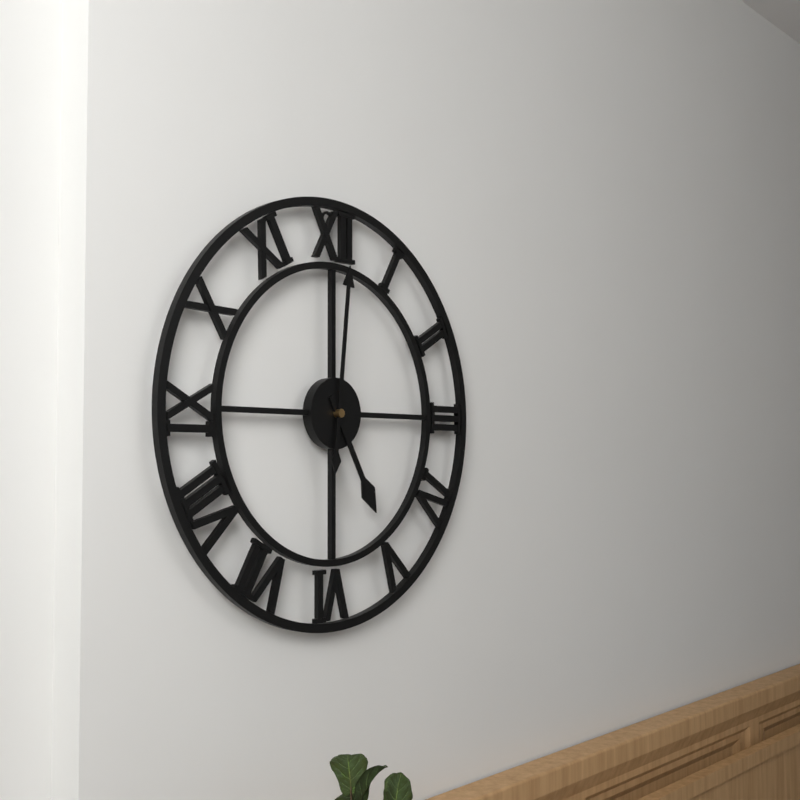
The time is 5:01
